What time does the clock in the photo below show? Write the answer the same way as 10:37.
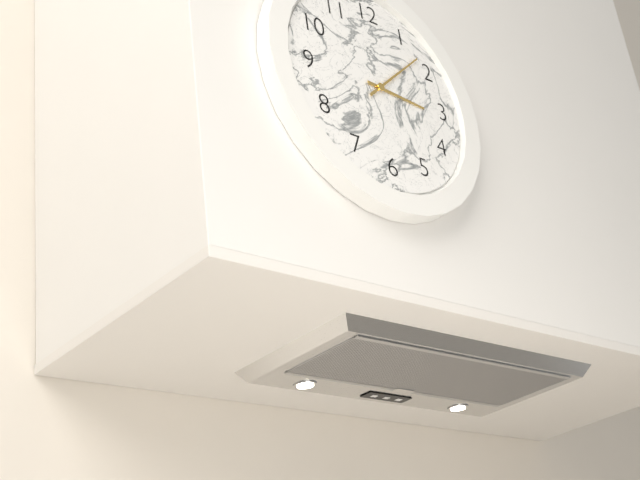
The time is 3:08
